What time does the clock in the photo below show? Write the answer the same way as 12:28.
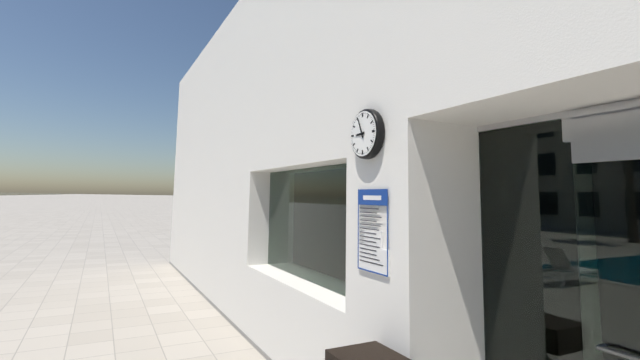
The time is 8:56
